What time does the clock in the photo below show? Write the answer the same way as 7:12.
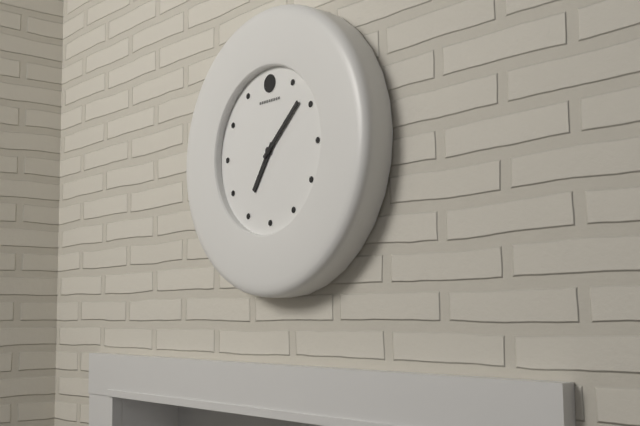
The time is 7:08
